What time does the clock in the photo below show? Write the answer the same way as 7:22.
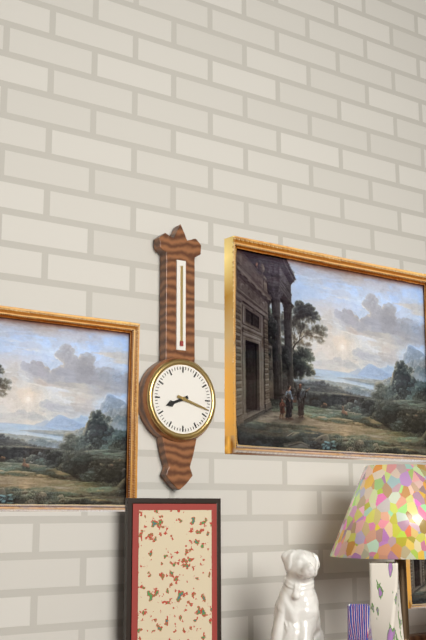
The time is 8:18
